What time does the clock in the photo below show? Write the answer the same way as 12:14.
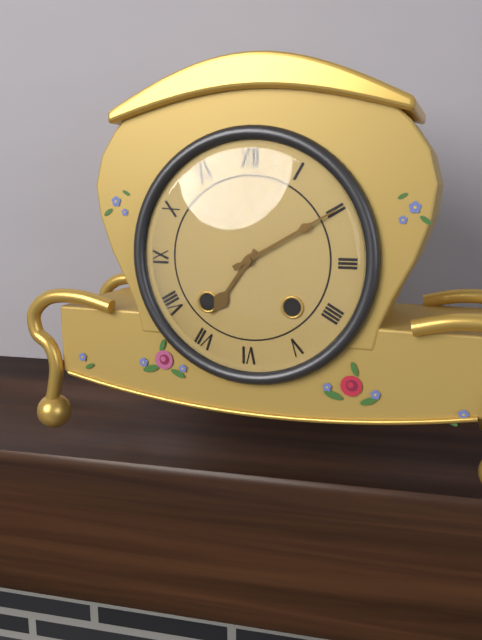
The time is 7:10
